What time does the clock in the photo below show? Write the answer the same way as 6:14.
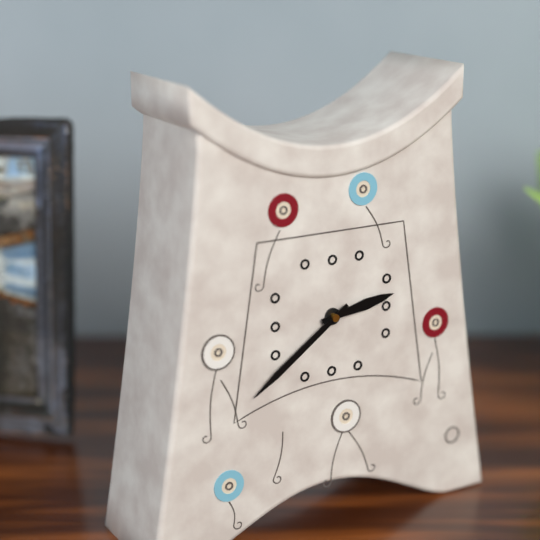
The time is 2:39
